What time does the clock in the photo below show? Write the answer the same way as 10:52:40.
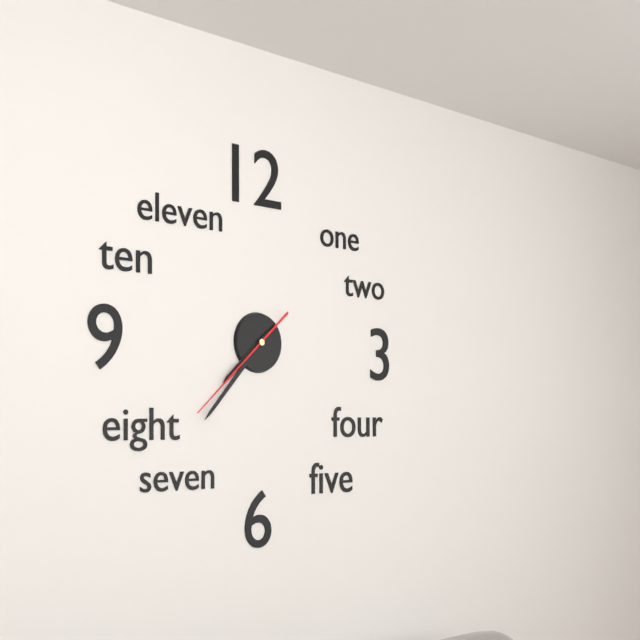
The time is 7:37:38
